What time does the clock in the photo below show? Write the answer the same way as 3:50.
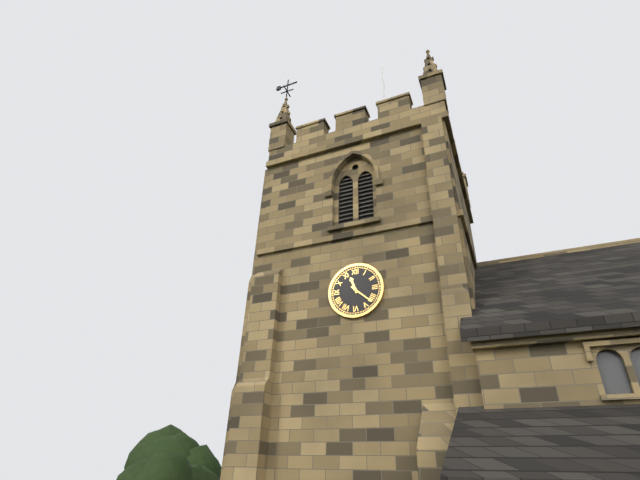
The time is 11:22
